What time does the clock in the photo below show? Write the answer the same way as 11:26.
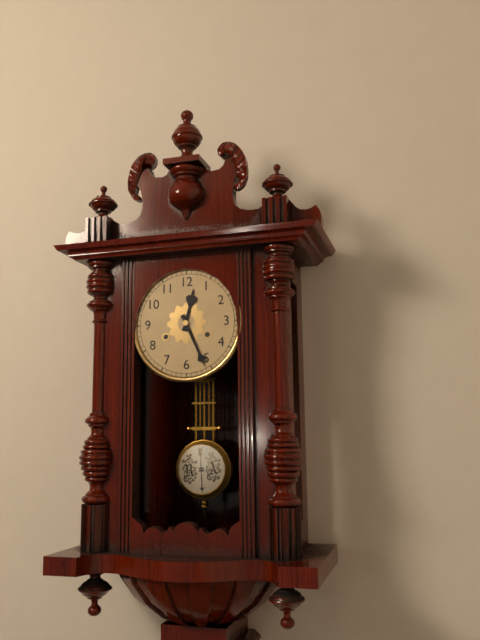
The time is 12:26
